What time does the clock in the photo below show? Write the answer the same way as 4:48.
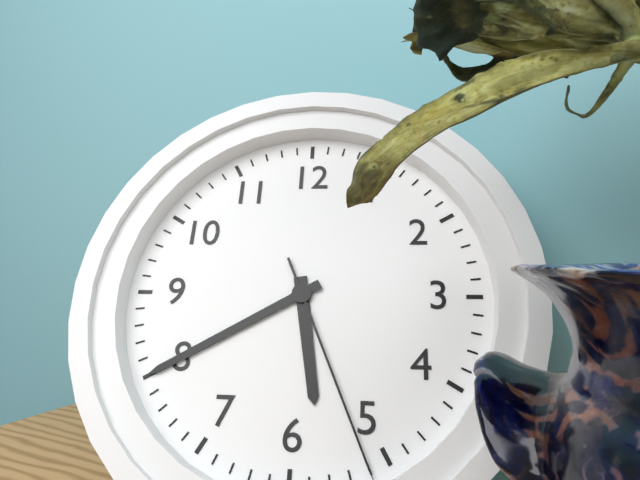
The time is 5:40
